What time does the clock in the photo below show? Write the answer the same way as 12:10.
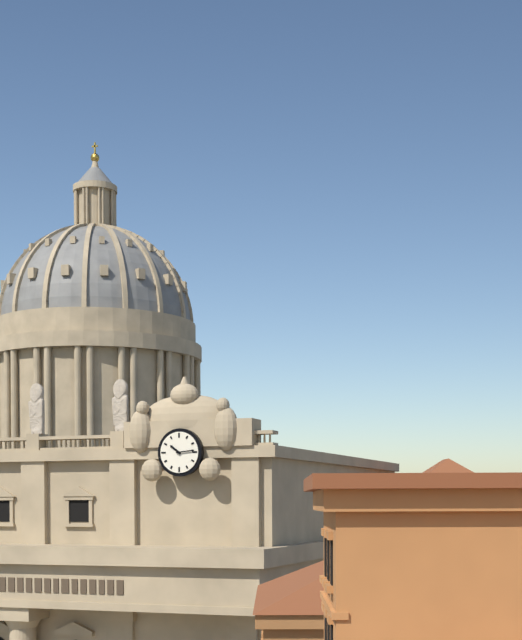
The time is 10:14
